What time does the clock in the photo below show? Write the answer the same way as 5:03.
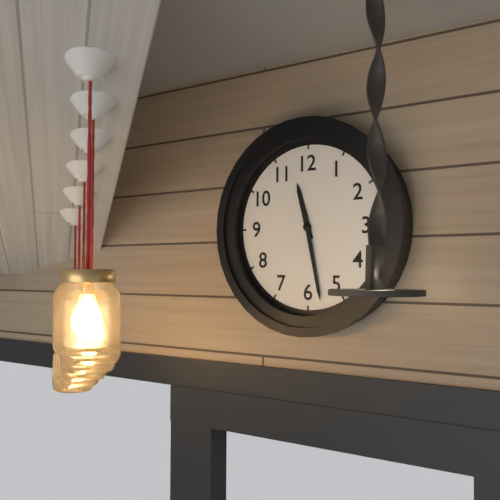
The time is 11:28
